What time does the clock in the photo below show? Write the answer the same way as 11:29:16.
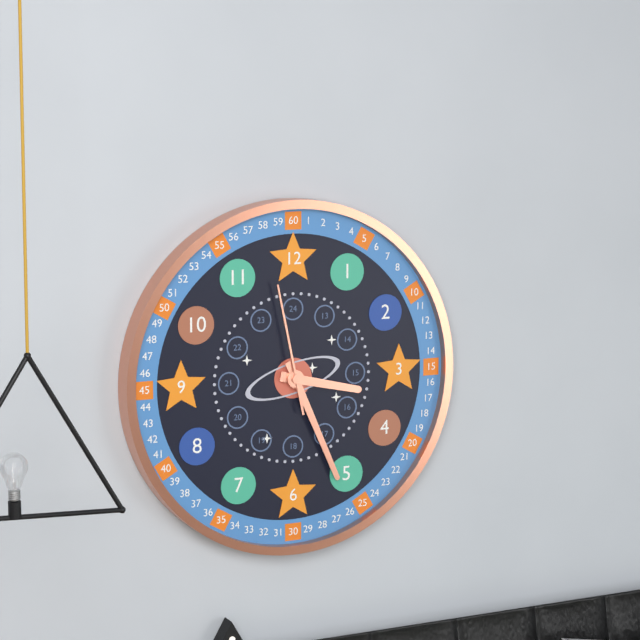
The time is 3:26:58
